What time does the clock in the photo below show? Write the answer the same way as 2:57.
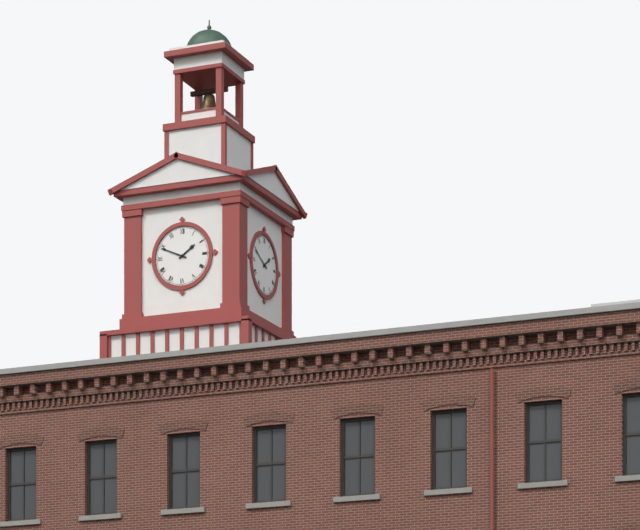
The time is 1:49
